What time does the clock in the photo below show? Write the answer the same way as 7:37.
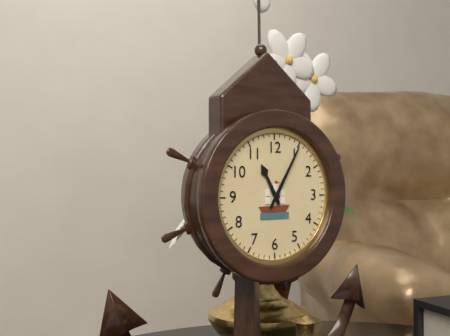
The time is 11:05
